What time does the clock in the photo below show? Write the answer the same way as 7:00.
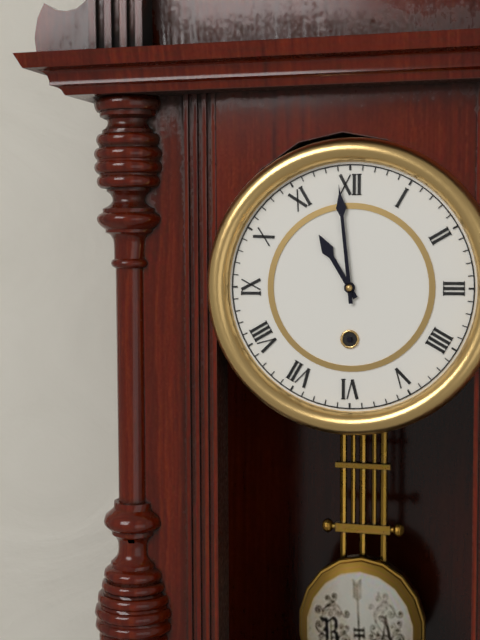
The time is 10:59
